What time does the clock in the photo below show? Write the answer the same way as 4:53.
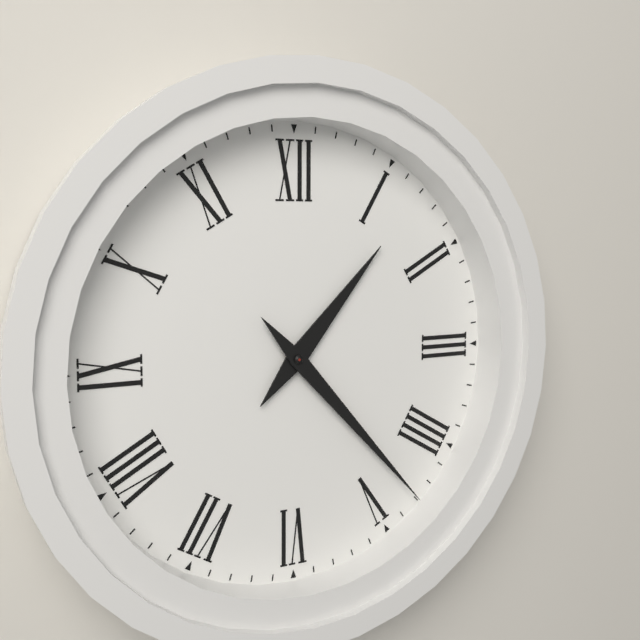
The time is 1:23
